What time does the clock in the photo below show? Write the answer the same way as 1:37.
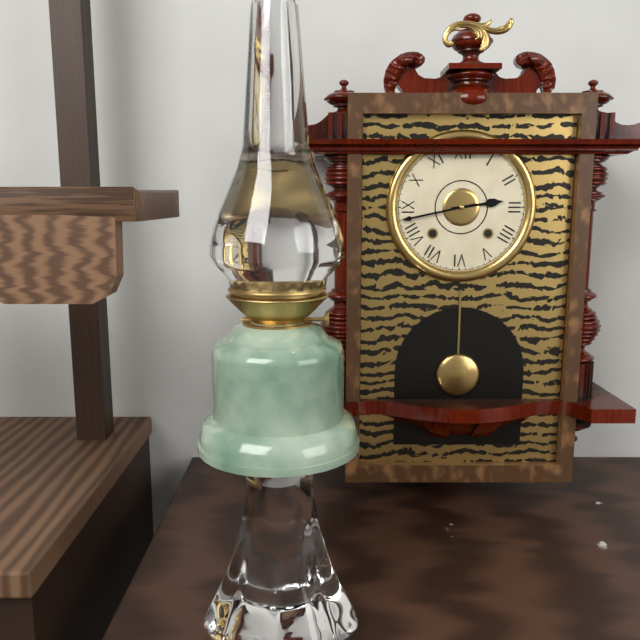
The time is 2:43
